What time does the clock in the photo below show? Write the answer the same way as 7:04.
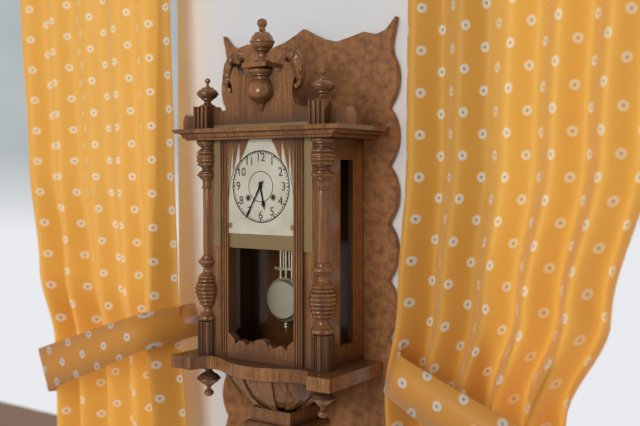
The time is 5:35
